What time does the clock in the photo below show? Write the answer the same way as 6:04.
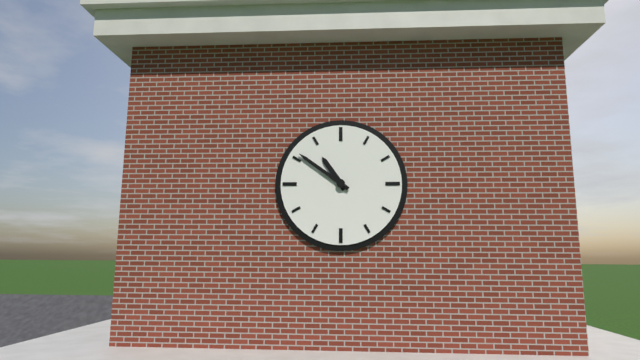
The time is 10:51
